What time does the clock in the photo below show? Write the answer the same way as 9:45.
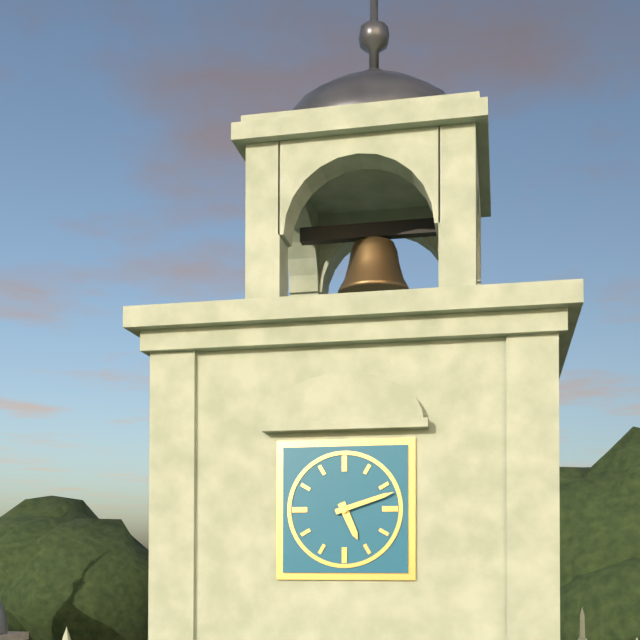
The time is 5:12
